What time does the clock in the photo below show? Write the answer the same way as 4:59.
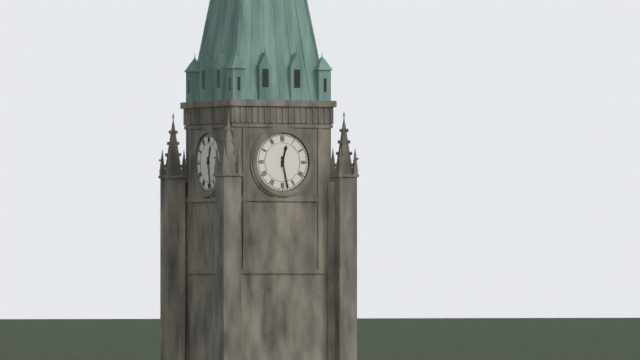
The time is 12:28
